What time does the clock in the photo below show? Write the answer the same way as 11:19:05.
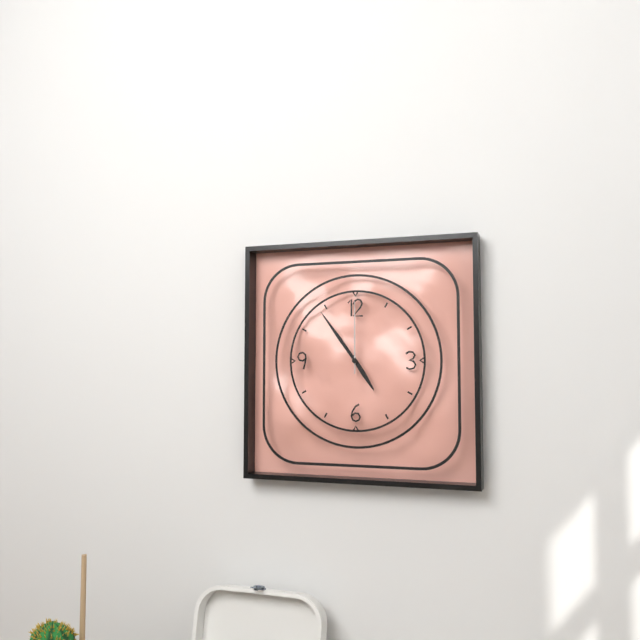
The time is 4:54:00
